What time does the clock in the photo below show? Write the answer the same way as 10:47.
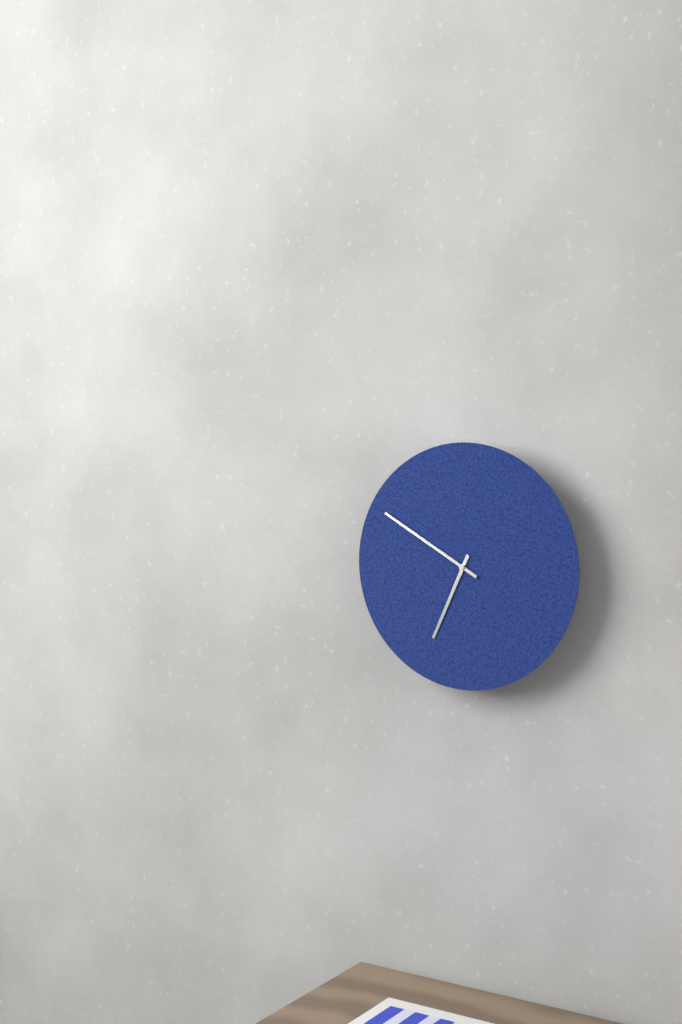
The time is 6:50
